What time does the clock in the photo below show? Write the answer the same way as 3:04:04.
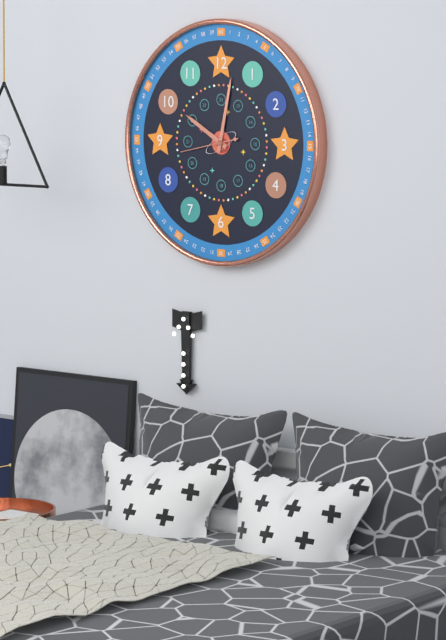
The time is 10:02:43
